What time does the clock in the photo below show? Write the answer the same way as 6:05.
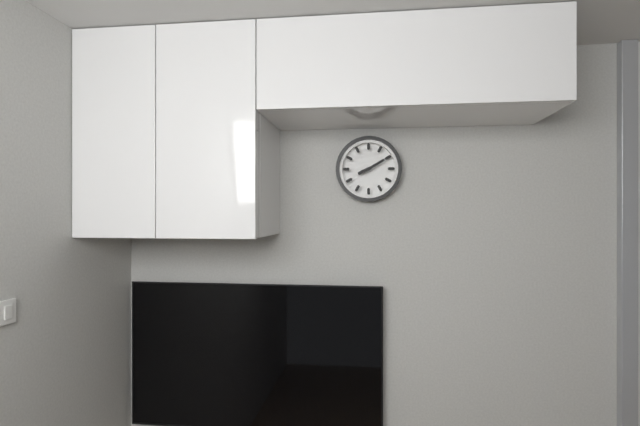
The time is 8:10
